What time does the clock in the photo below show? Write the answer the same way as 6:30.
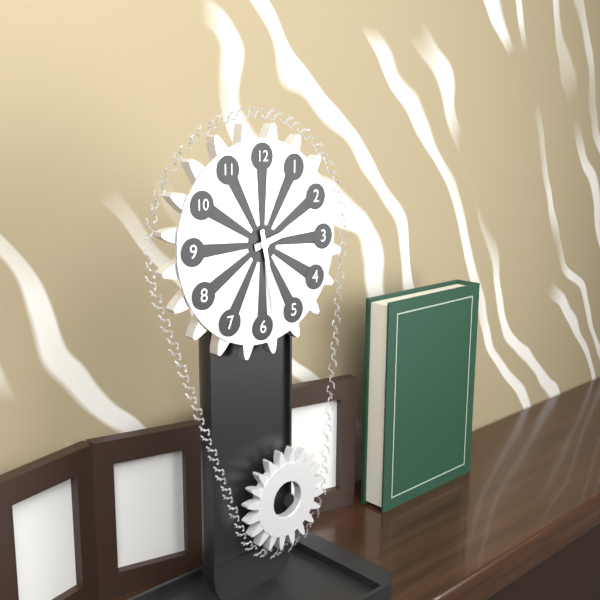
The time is 2:28
